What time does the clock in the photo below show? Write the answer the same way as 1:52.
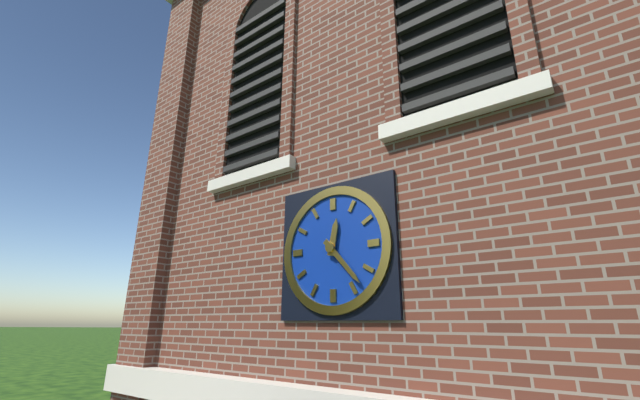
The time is 12:23
